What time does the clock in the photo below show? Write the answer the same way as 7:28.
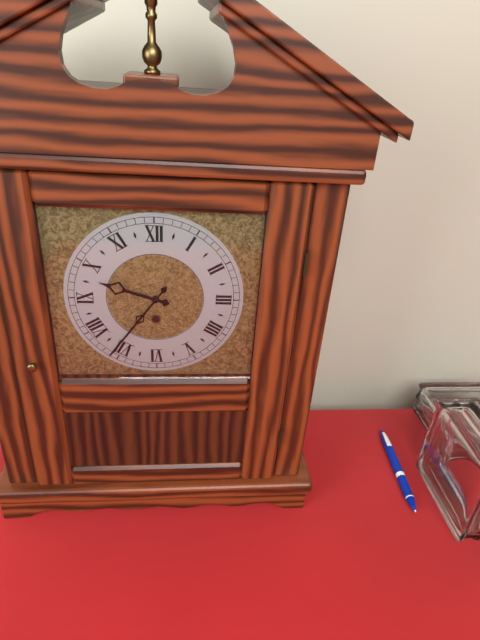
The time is 9:36
